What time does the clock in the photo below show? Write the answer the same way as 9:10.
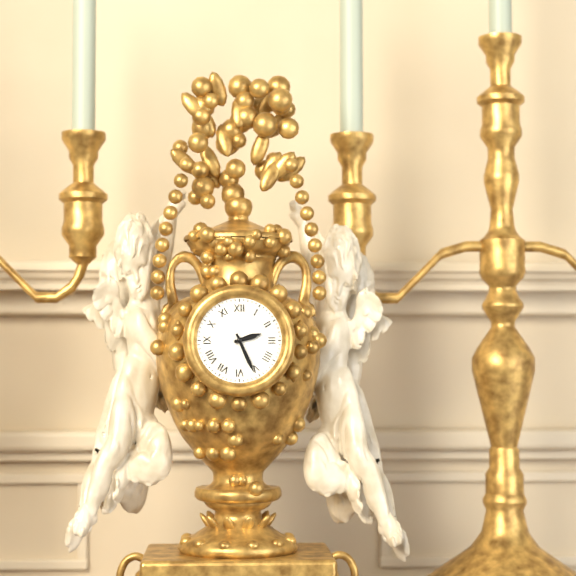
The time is 2:26
